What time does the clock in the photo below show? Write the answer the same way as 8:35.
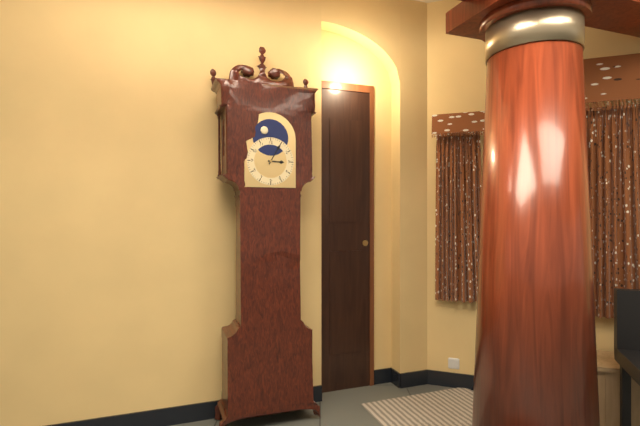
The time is 3:05
